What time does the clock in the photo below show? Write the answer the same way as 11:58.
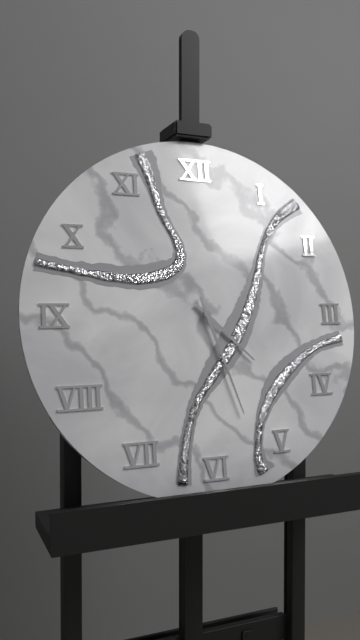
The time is 4:27
